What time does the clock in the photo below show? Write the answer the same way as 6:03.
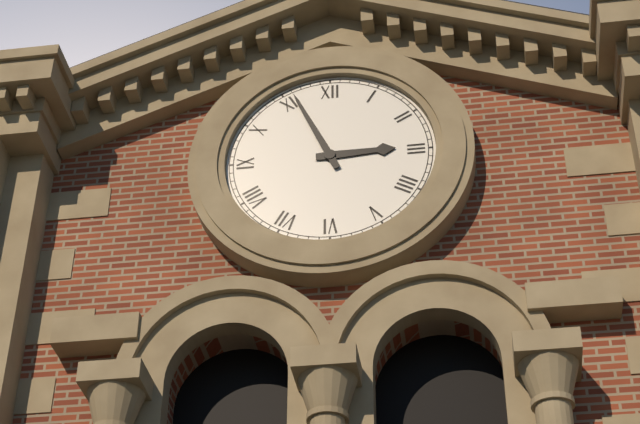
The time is 2:56
